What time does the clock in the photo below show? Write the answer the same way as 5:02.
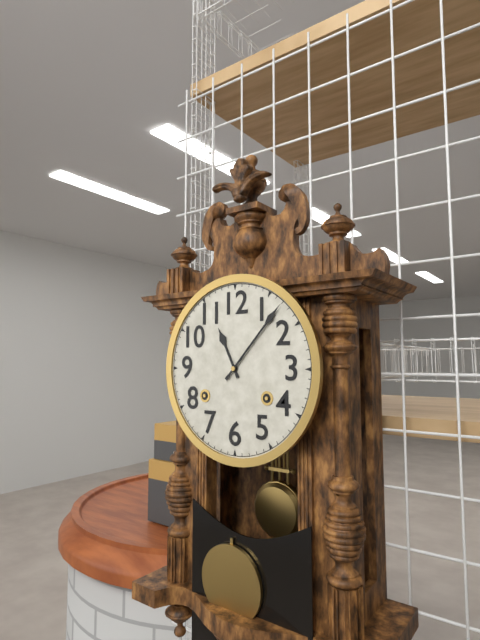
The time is 11:07
